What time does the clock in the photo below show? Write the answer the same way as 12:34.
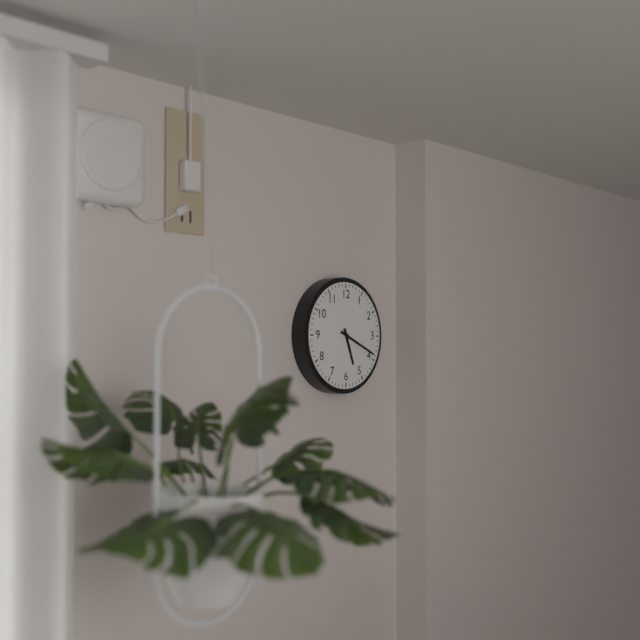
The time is 5:19
